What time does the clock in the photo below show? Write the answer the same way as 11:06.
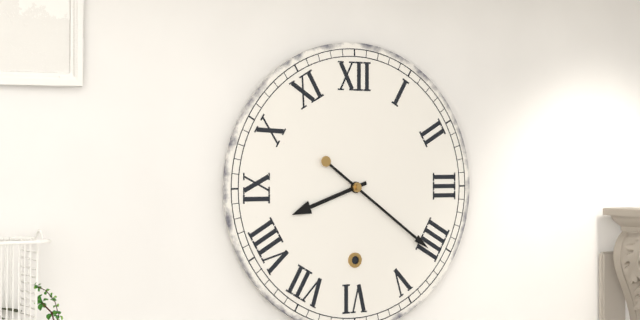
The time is 8:21
